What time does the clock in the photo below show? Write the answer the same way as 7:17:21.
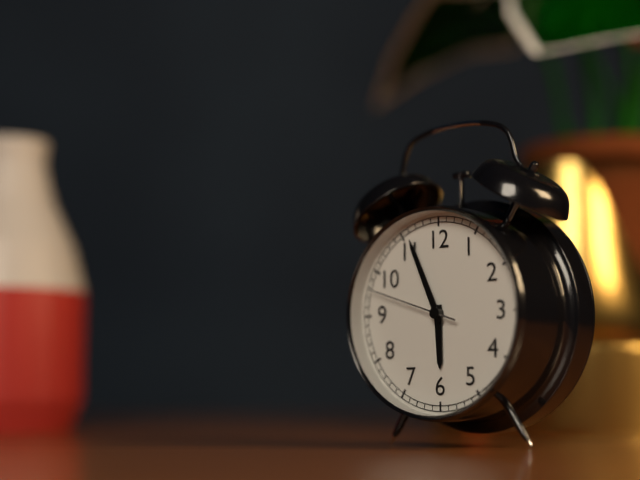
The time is 5:56:48
